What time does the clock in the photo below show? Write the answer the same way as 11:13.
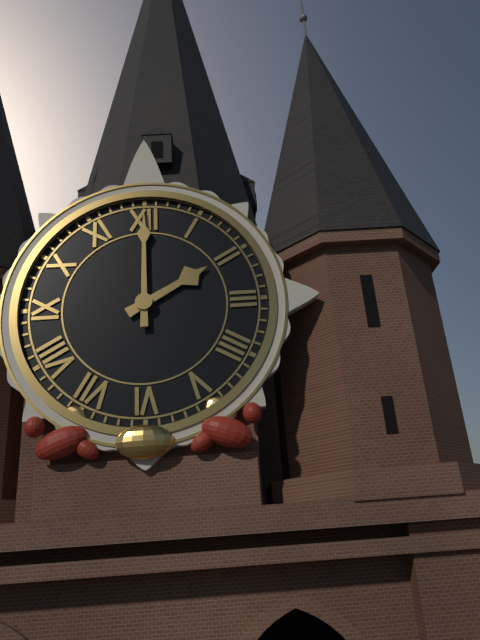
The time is 2:00
